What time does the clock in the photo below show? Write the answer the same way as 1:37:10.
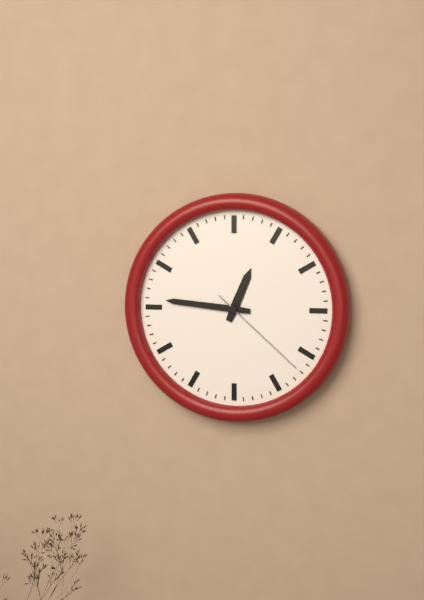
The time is 12:46:22
